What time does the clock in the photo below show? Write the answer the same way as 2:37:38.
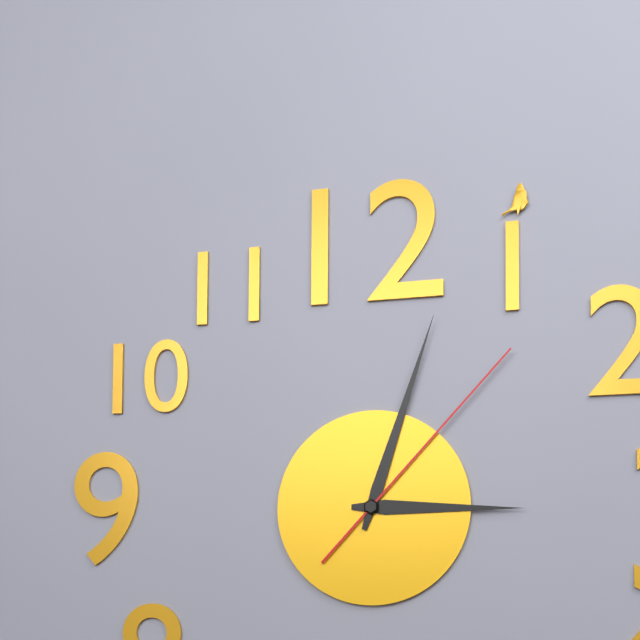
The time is 3:03:07
